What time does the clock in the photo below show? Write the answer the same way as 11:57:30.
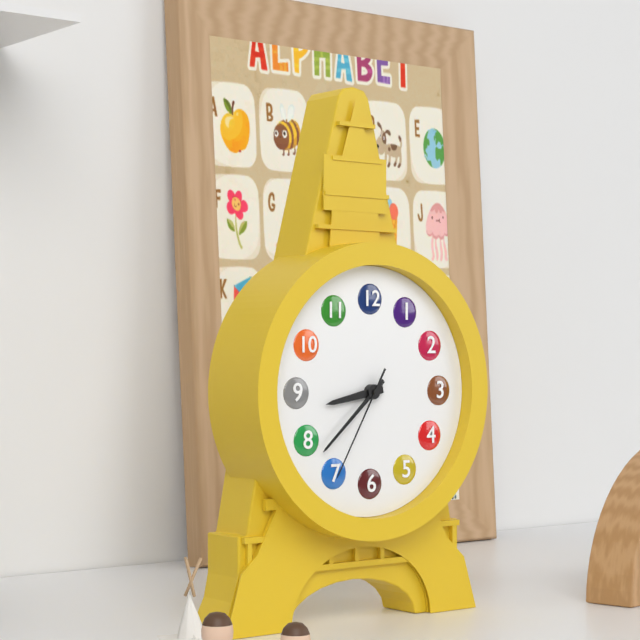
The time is 8:38:35
